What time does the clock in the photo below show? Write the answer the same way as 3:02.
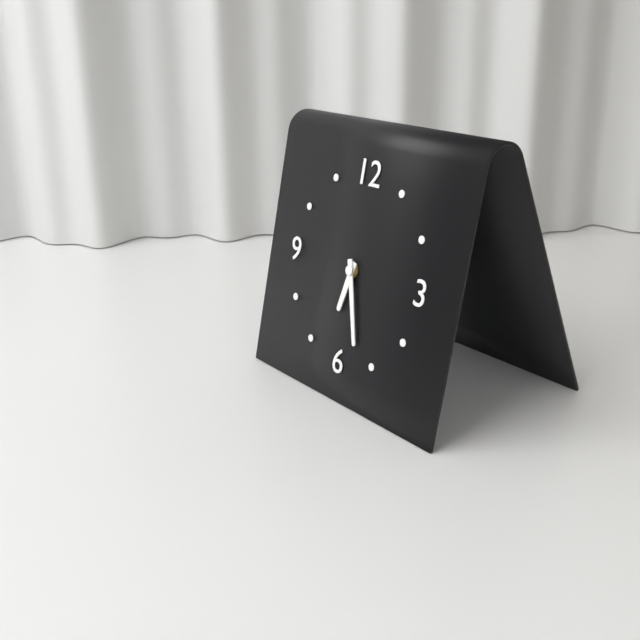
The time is 6:27
